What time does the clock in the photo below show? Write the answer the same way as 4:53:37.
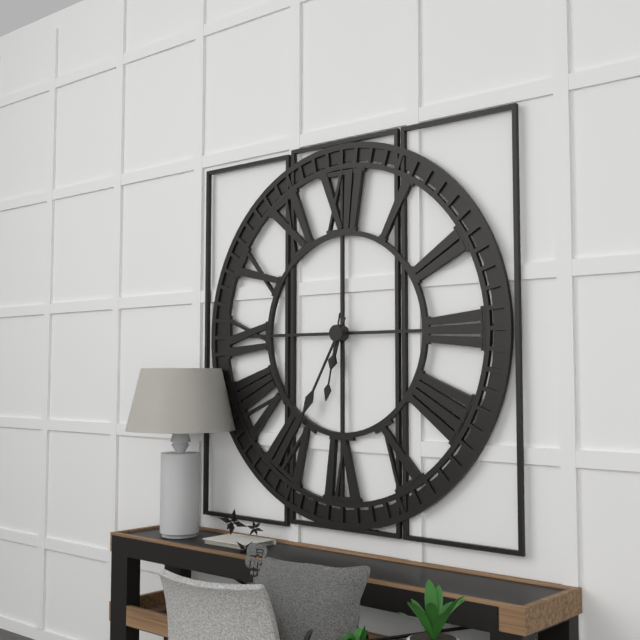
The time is 6:35:32
